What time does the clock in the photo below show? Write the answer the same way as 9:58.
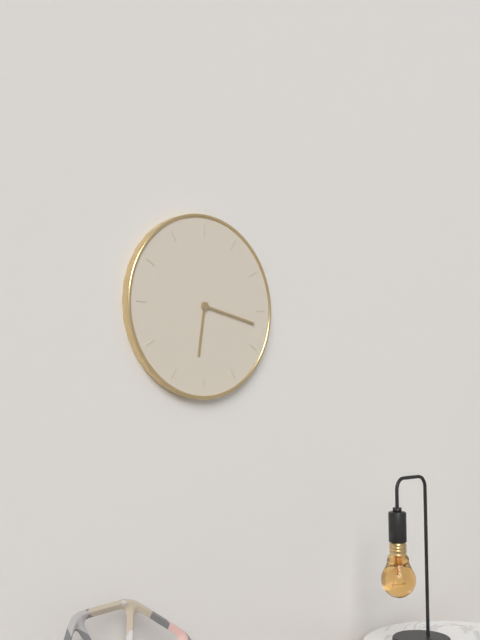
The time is 6:17
